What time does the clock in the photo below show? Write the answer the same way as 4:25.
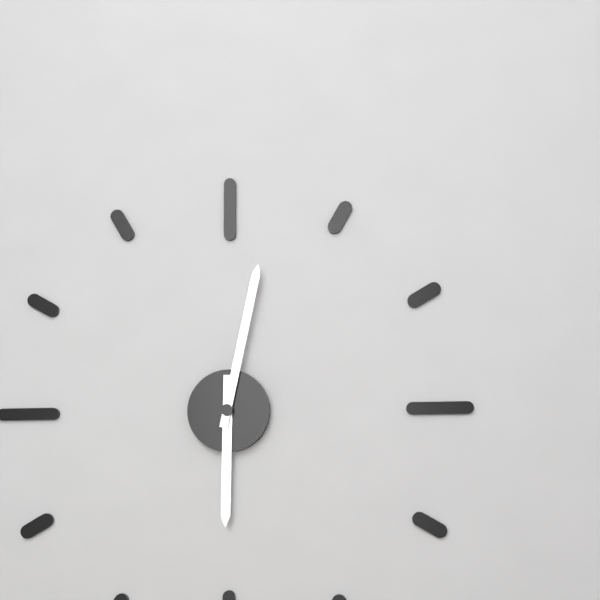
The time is 6:02
